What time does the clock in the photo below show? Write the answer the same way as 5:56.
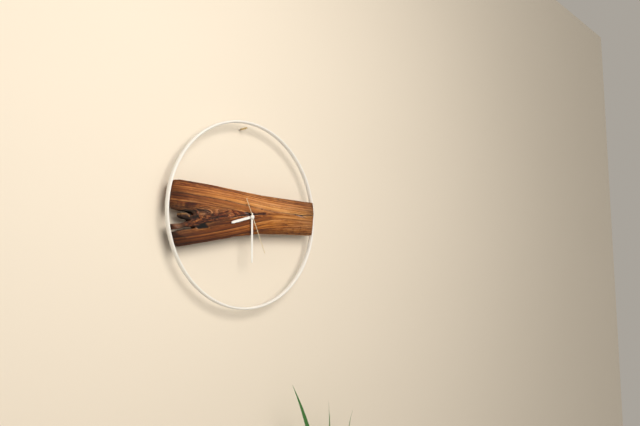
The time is 8:30
